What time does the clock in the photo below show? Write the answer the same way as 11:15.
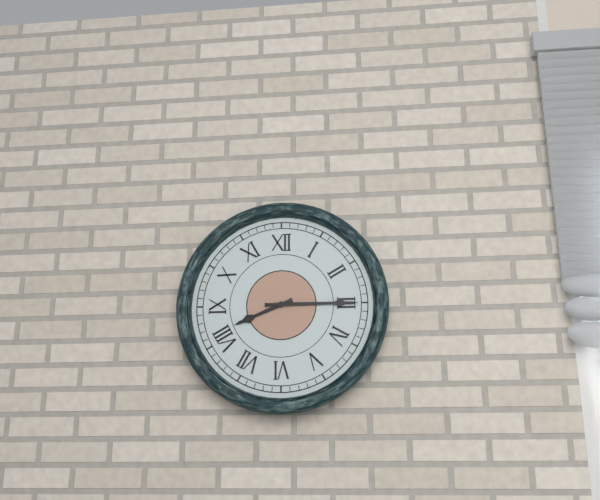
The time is 8:15
